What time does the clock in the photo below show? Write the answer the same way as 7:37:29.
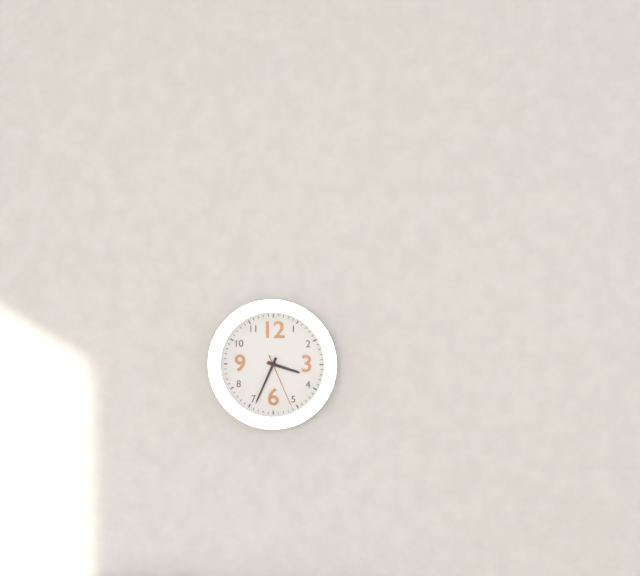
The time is 3:34:26
